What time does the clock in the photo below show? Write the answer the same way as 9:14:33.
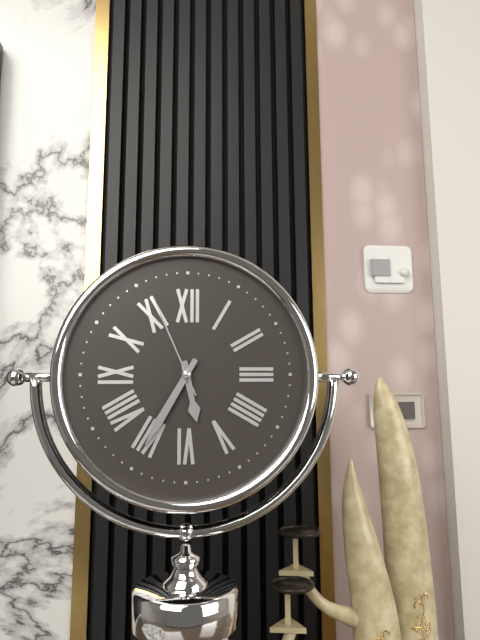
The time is 5:35:56
